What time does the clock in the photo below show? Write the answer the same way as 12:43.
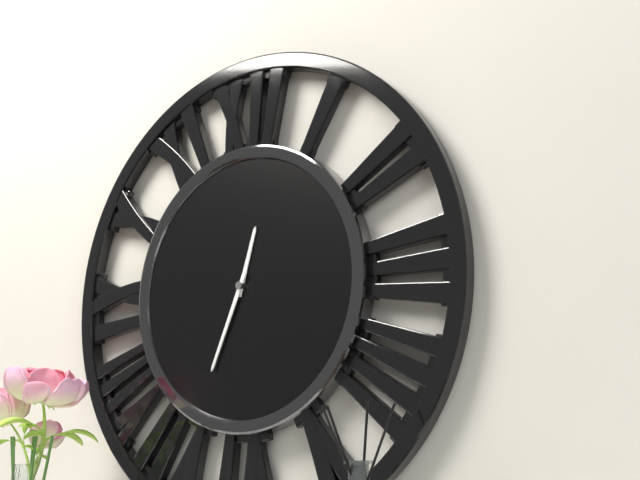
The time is 12:34
